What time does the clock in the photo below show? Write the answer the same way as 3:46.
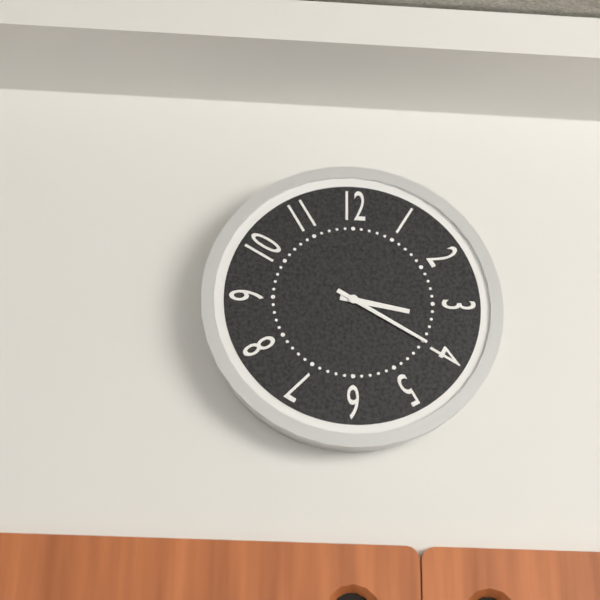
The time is 3:20
